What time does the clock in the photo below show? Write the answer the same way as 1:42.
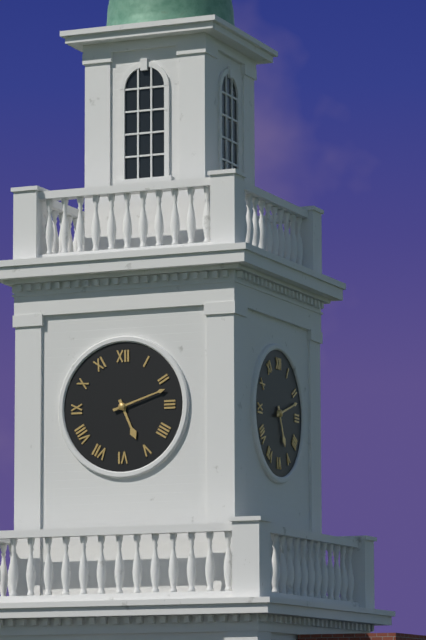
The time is 5:12
